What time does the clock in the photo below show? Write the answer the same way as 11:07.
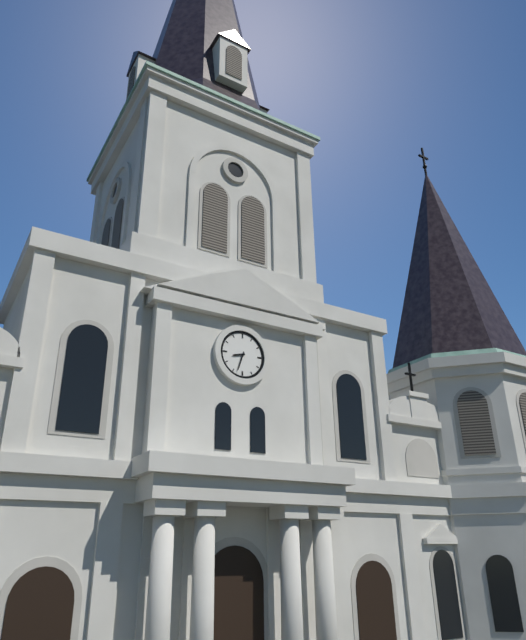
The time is 8:33
